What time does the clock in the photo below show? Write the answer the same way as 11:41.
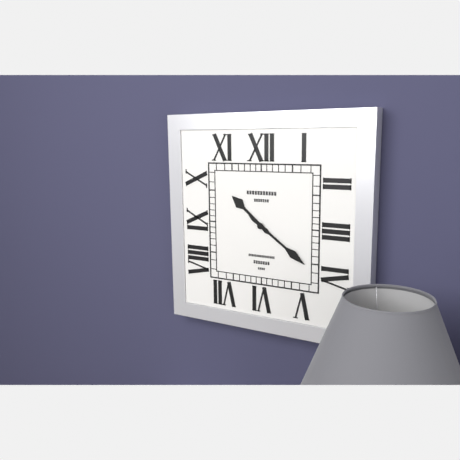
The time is 10:21
